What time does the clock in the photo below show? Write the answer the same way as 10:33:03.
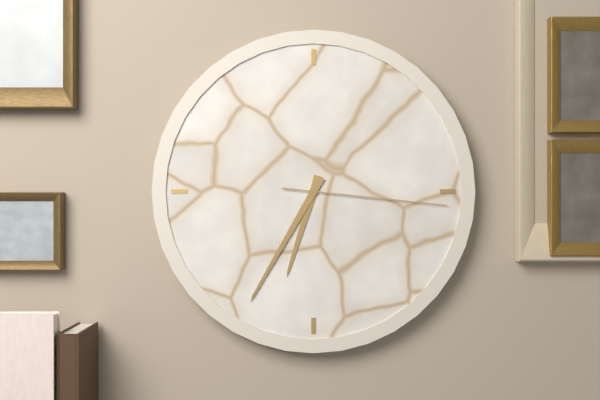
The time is 6:35:16
